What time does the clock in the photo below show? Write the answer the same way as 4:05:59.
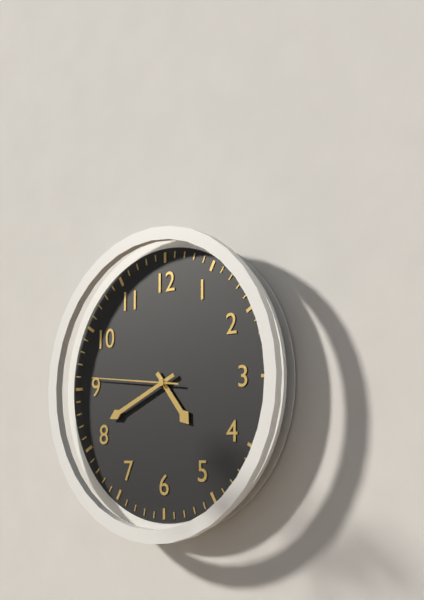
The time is 4:41:46
